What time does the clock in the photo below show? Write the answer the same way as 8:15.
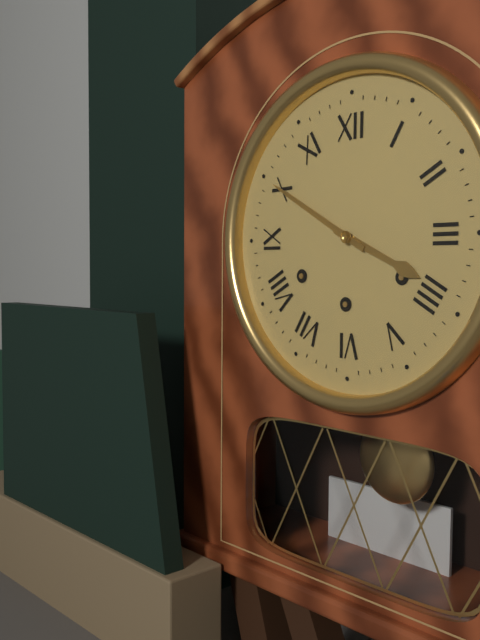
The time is 3:50
